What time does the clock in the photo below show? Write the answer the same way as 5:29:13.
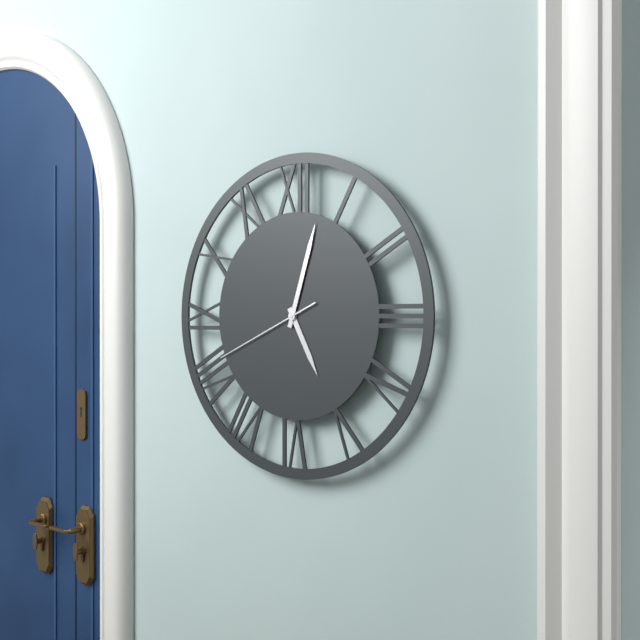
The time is 5:03:41
